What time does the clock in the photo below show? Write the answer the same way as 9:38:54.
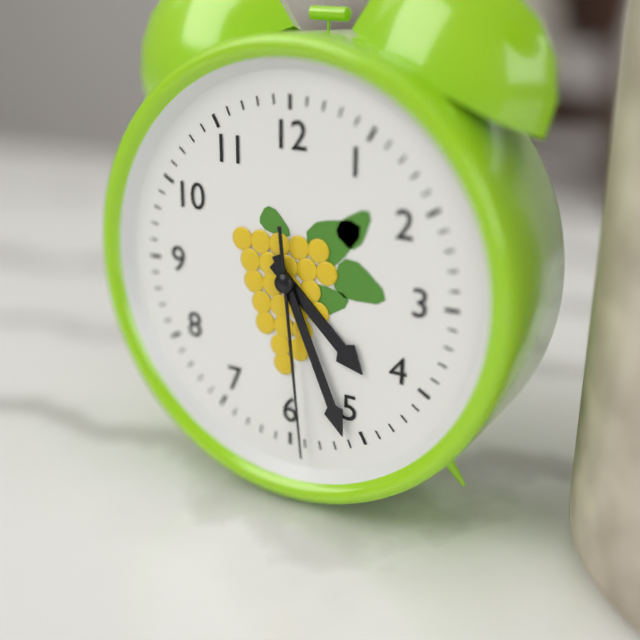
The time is 4:26:29
